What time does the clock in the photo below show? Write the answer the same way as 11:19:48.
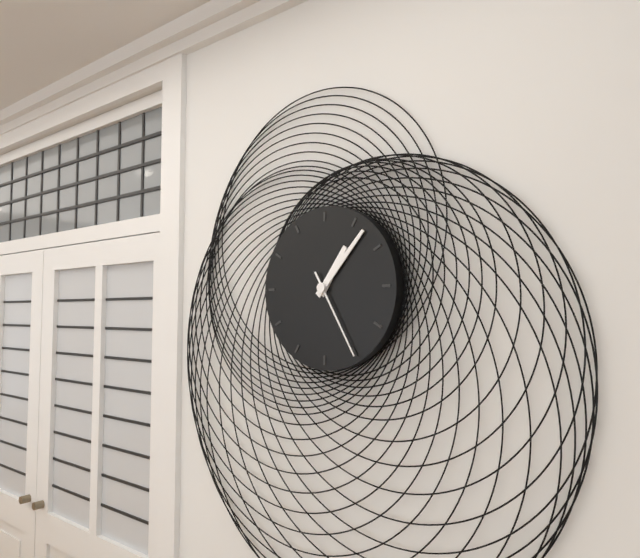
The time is 1:07:25
